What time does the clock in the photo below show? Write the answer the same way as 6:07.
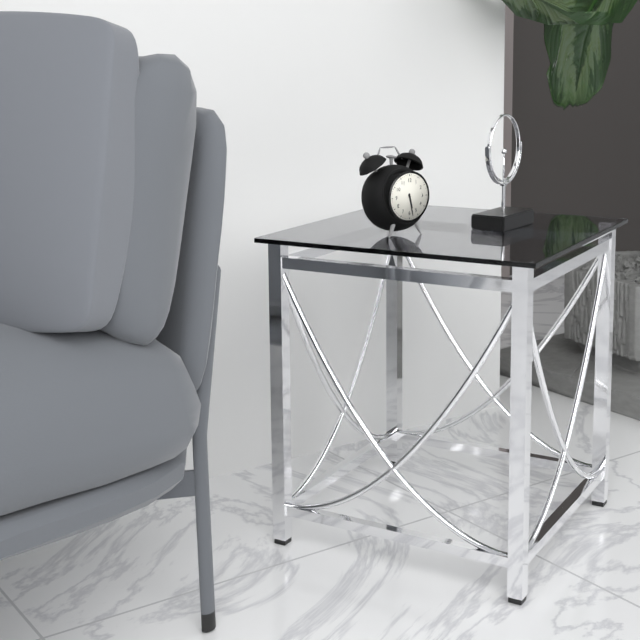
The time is 5:28
